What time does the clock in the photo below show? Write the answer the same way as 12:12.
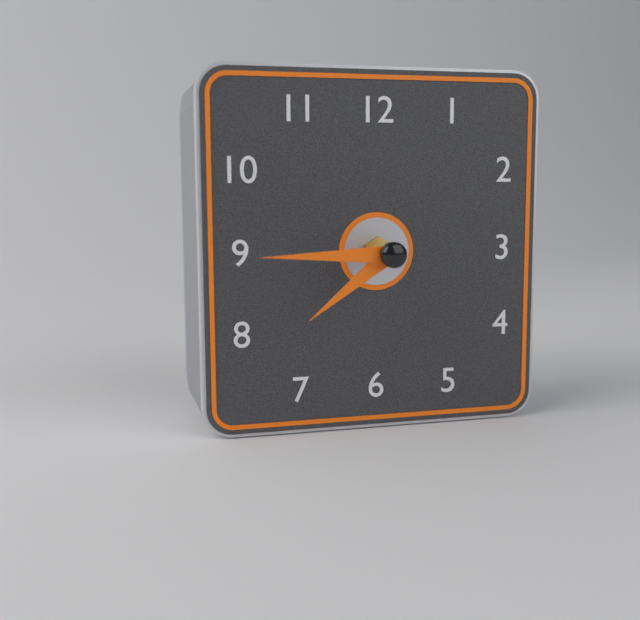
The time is 7:45
